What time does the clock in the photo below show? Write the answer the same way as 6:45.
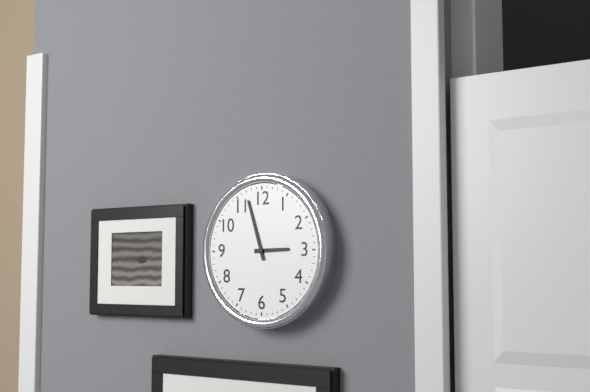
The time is 2:57
